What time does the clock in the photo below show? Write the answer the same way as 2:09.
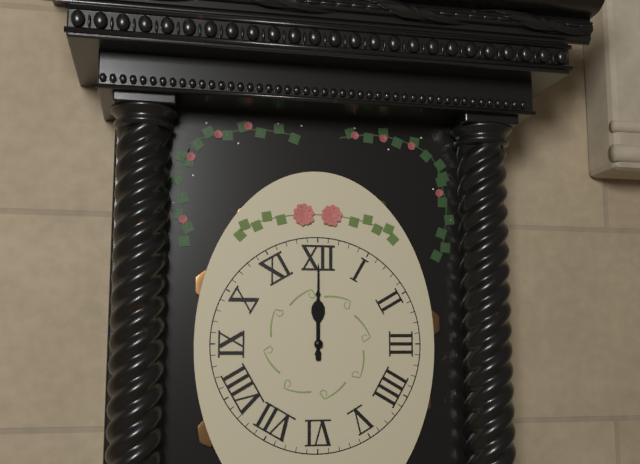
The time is 12:00
